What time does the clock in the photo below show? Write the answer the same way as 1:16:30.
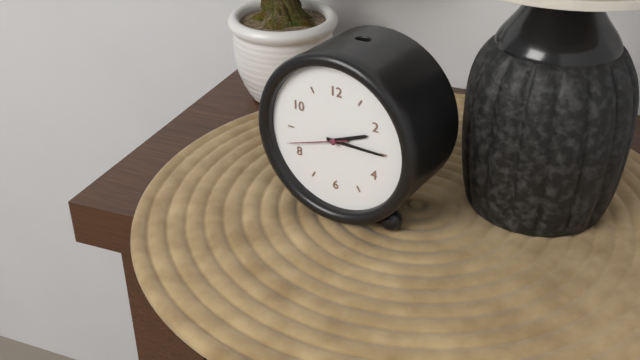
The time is 2:15:42
